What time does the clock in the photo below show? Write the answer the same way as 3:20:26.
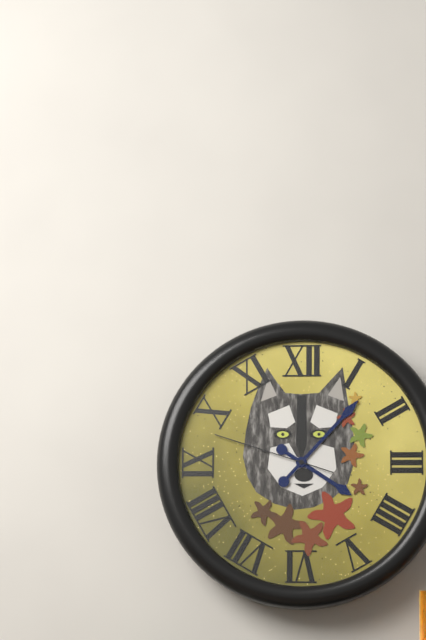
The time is 4:07:48
